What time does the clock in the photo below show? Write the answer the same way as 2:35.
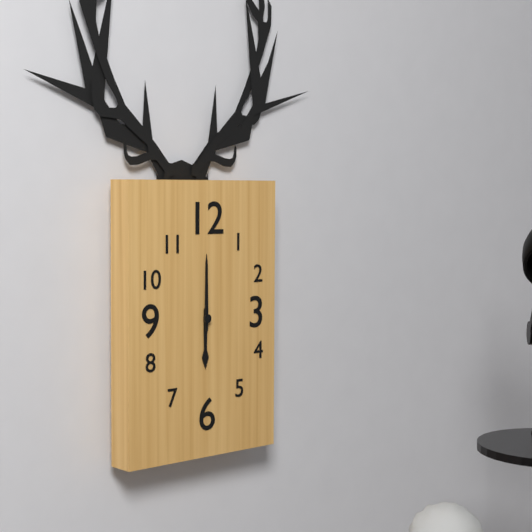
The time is 6:00
